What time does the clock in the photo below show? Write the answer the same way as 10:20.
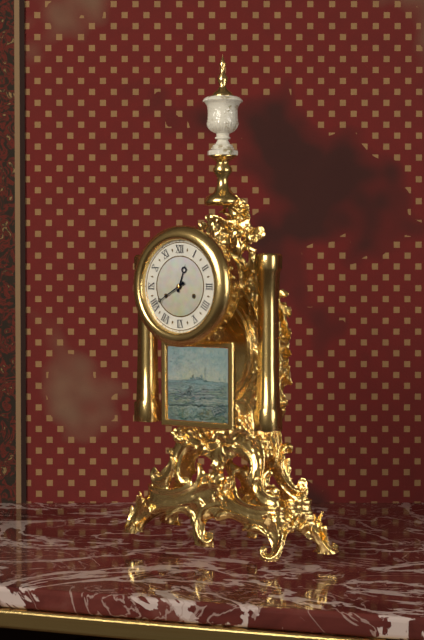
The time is 12:40
